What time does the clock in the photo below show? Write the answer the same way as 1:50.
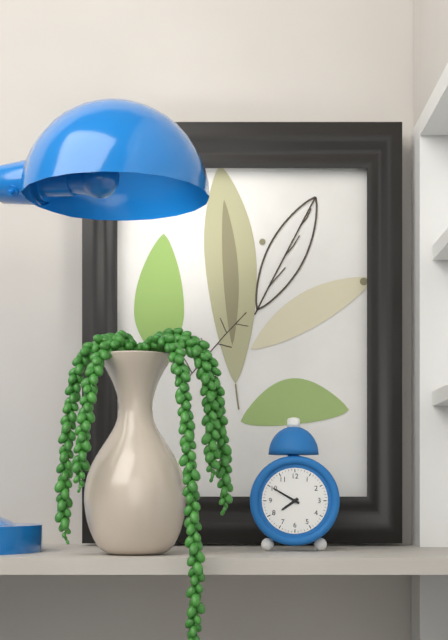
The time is 7:50
